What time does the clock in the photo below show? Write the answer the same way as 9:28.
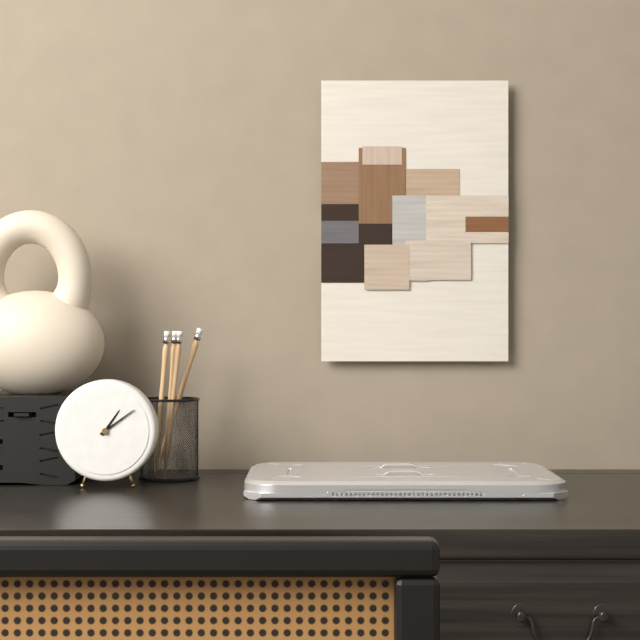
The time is 1:09
